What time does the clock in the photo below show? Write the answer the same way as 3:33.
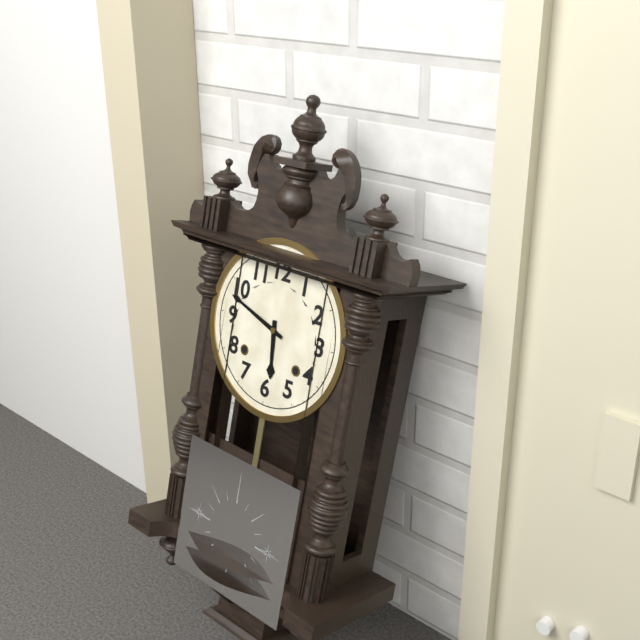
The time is 5:48
